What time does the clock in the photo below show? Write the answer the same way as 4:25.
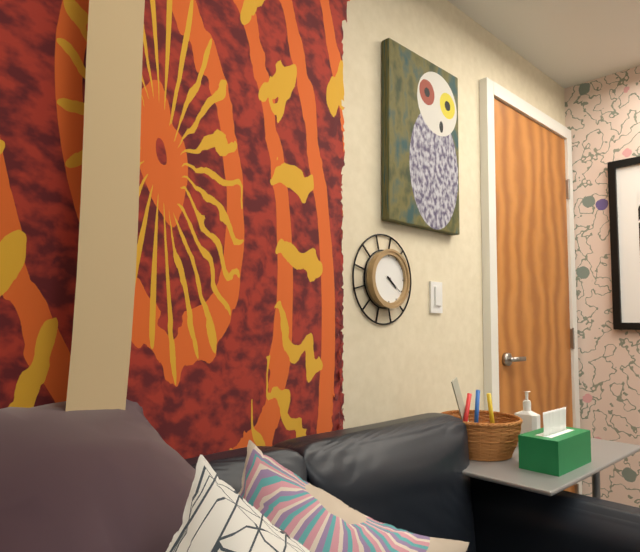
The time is 4:21
